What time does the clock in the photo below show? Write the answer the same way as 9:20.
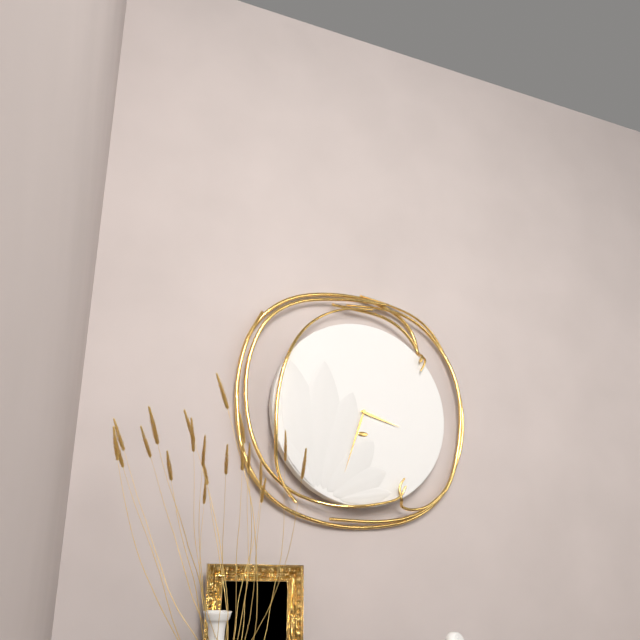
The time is 3:33
